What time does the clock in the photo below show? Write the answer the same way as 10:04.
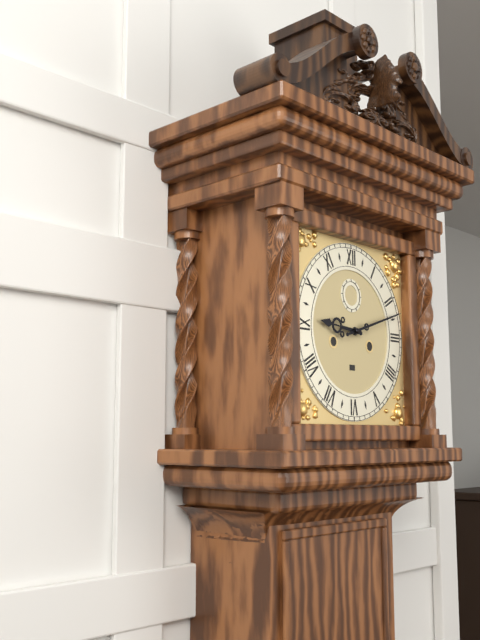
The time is 9:12
